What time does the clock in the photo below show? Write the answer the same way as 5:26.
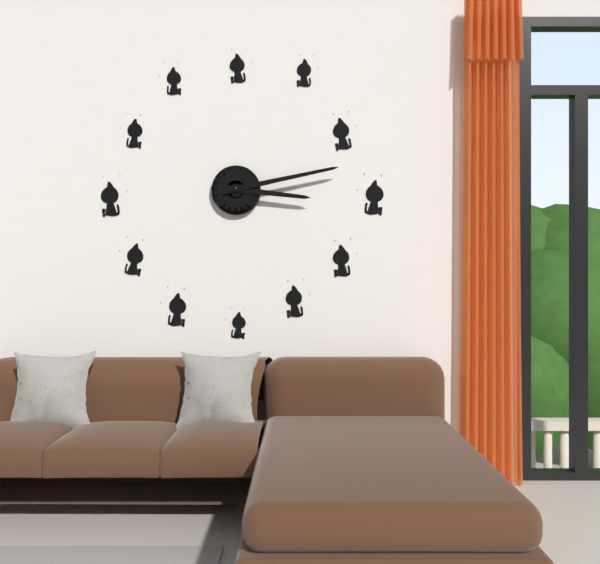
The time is 3:13
